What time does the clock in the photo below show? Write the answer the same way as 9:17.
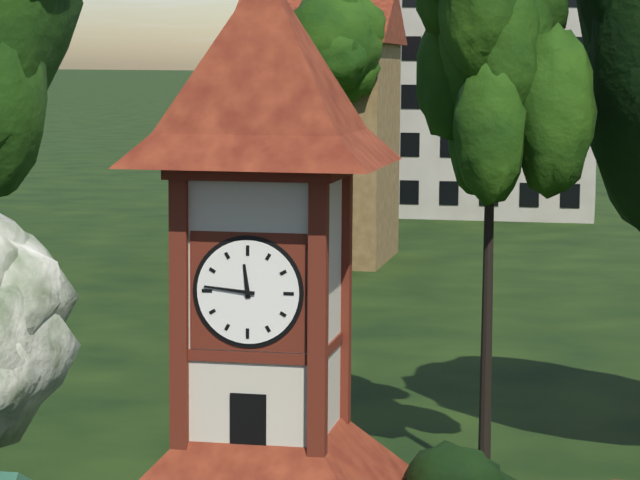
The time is 11:46
